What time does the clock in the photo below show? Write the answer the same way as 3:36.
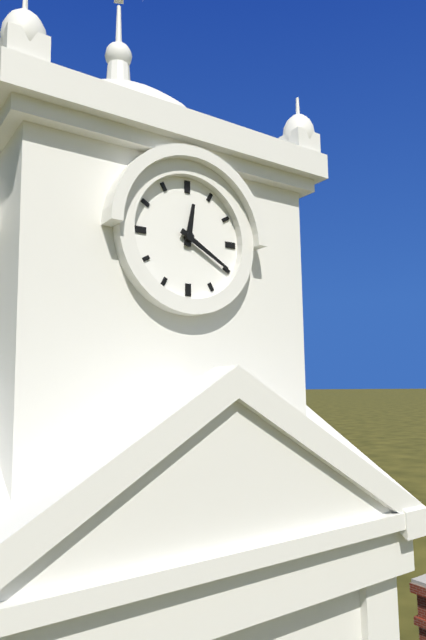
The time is 12:20
